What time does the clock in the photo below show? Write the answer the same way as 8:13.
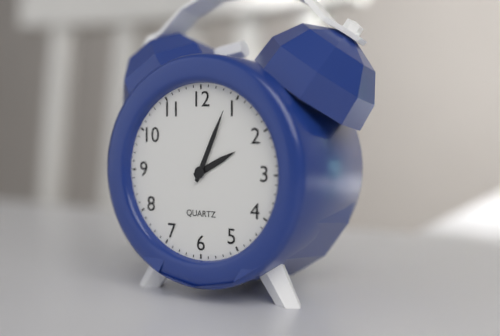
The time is 2:04
